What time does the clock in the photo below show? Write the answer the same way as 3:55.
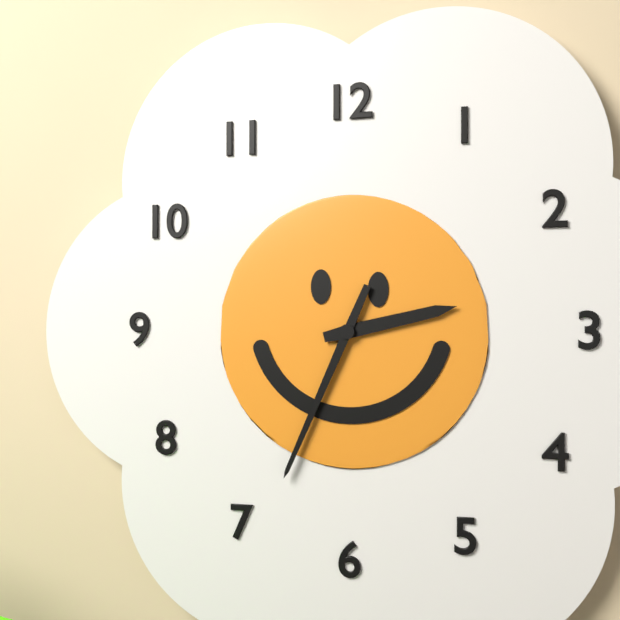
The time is 2:34
